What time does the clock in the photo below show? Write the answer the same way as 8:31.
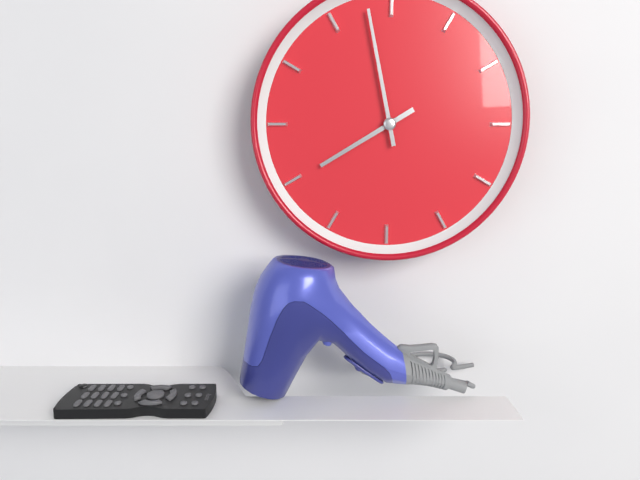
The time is 7:58
